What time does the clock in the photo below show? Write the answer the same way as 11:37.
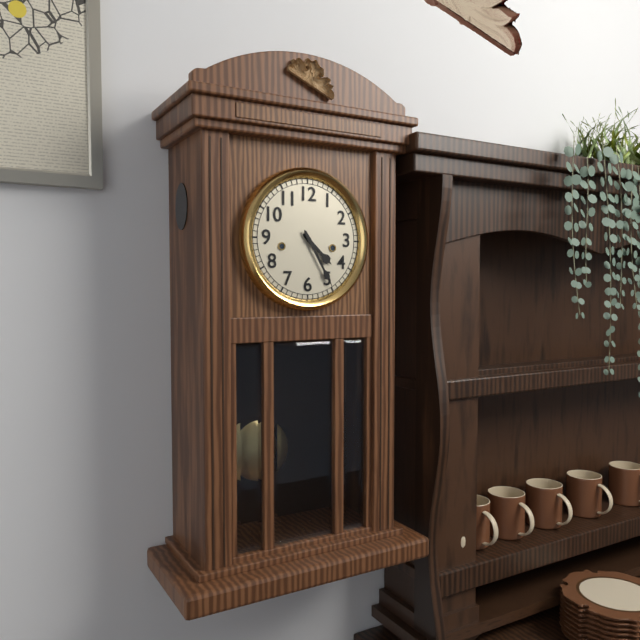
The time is 4:25
